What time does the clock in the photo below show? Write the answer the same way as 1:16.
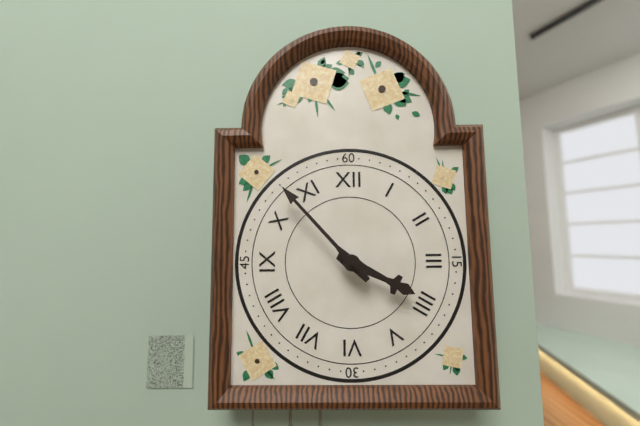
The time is 3:53
